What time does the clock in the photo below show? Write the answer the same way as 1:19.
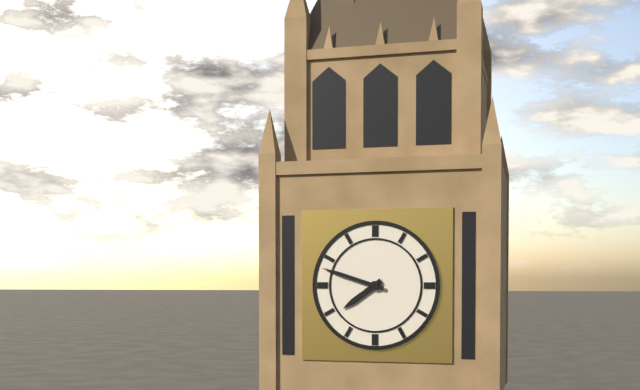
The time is 7:48
